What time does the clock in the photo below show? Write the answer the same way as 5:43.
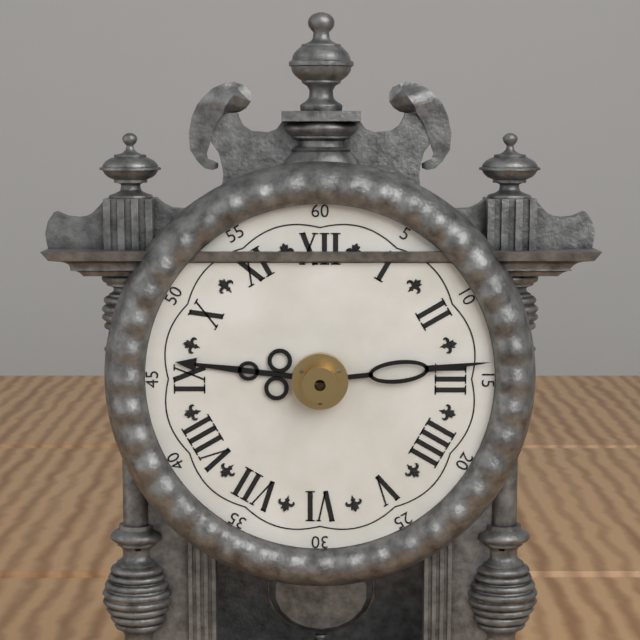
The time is 9:14
